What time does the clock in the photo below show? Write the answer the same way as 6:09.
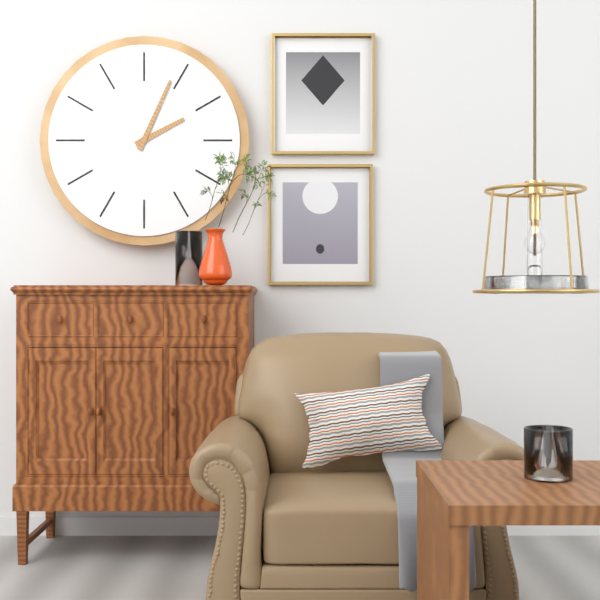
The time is 2:04
